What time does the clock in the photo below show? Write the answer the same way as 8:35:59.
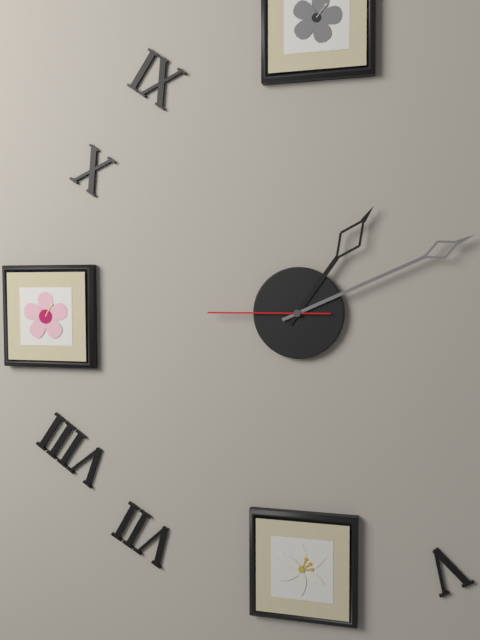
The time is 1:11:45
